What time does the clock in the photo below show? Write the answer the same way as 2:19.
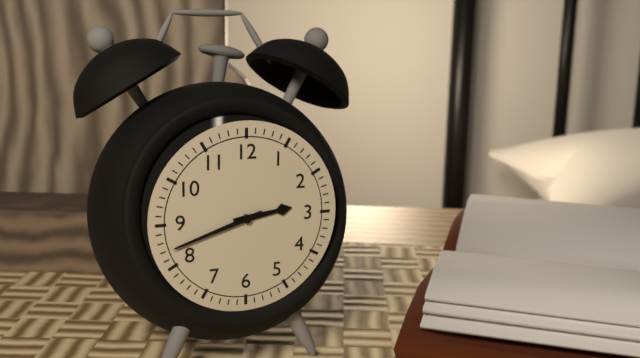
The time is 2:42
